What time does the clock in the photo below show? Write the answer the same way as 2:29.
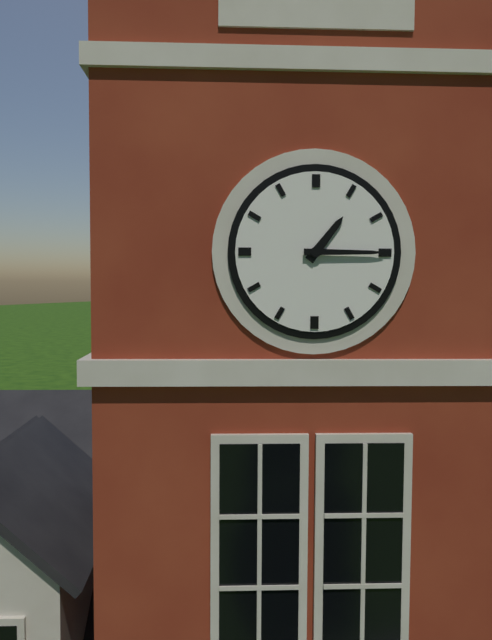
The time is 1:15
